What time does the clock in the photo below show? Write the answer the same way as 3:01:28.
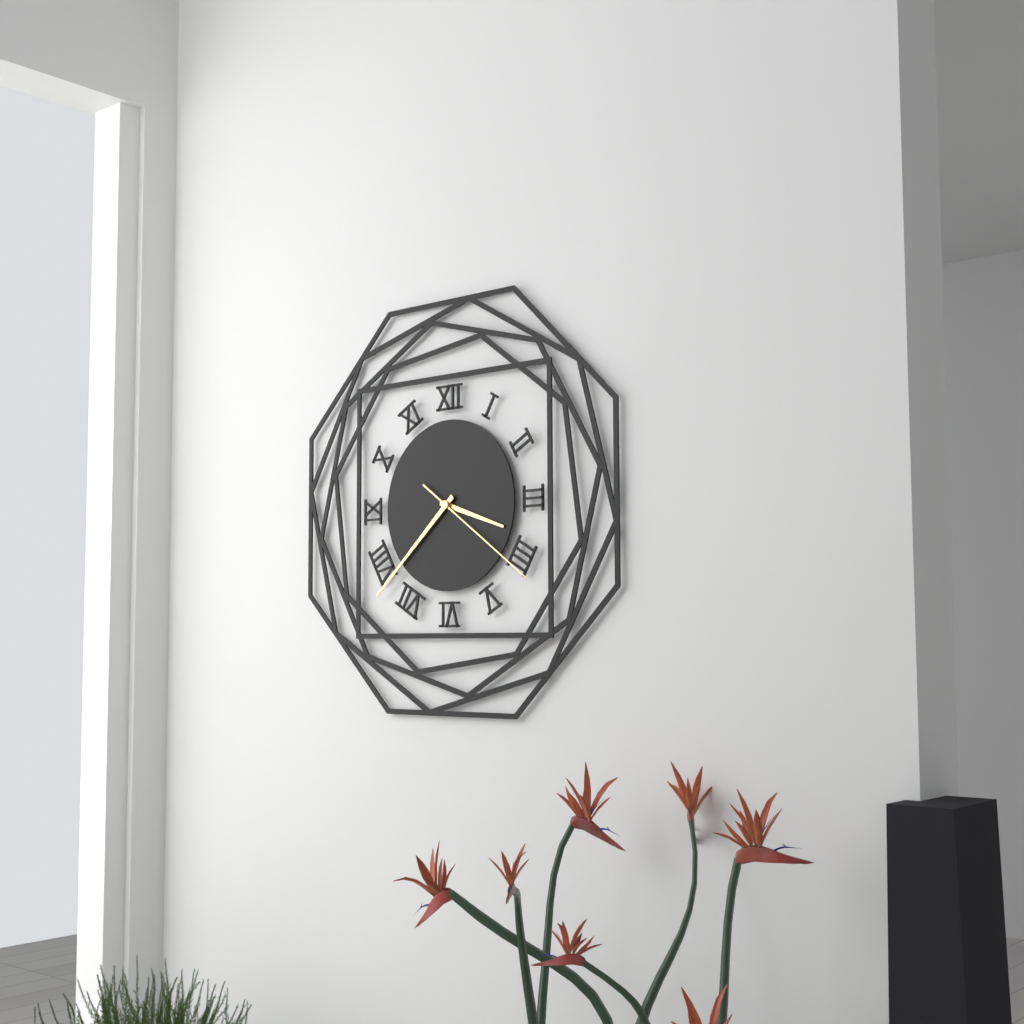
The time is 3:38:21
